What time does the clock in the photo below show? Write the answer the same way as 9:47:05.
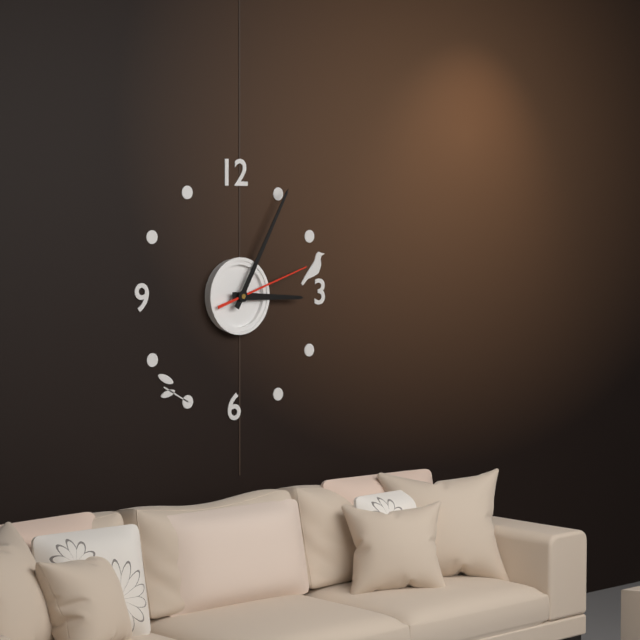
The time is 3:05:12
